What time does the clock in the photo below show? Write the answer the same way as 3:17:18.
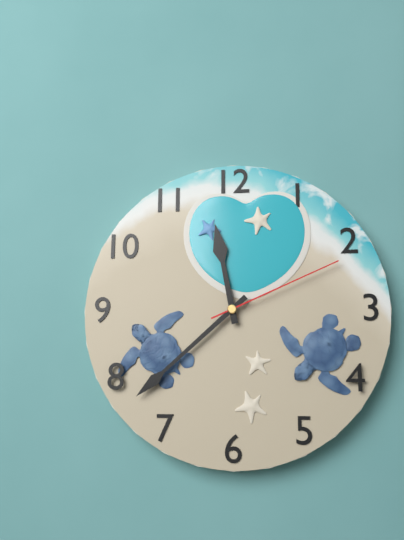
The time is 11:38:11
